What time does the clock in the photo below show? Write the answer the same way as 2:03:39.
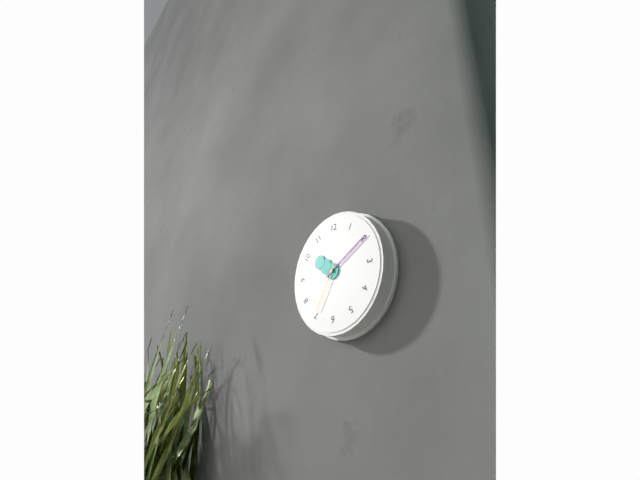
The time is 10:10:35
